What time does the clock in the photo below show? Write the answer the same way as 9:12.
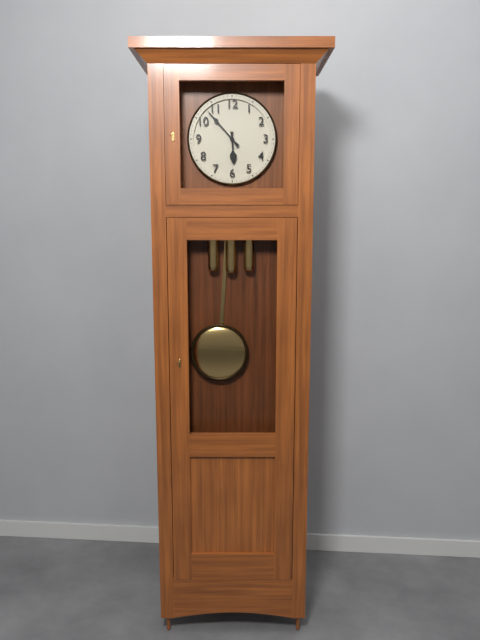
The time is 5:53
